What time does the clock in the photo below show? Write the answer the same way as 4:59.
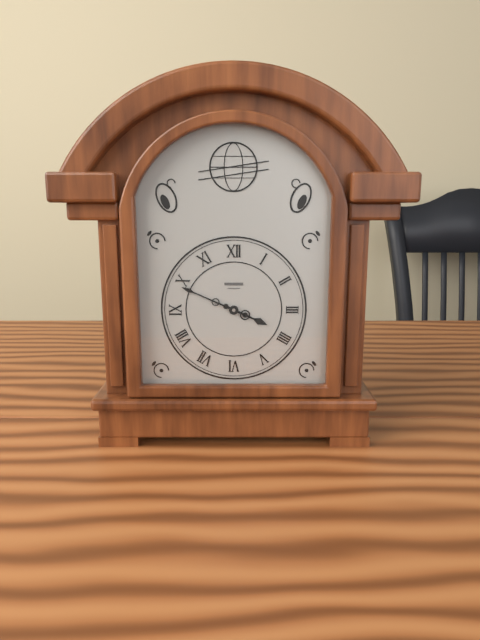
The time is 3:49
